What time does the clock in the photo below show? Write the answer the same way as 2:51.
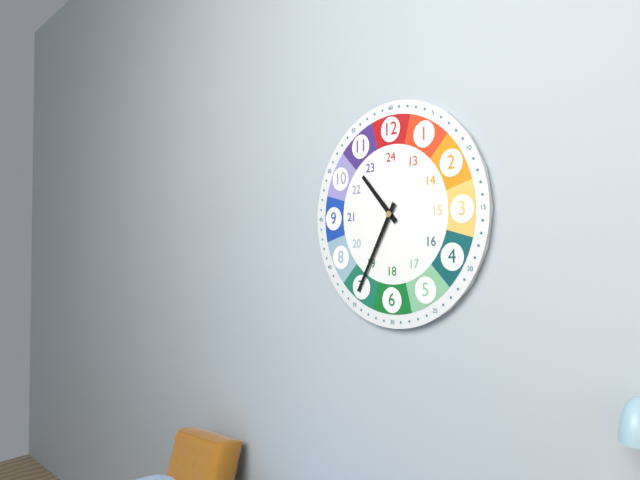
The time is 10:35
